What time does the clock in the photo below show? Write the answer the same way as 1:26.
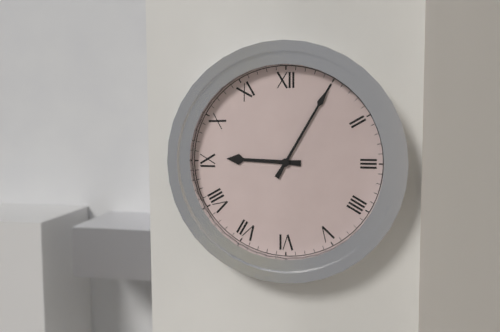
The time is 9:05
